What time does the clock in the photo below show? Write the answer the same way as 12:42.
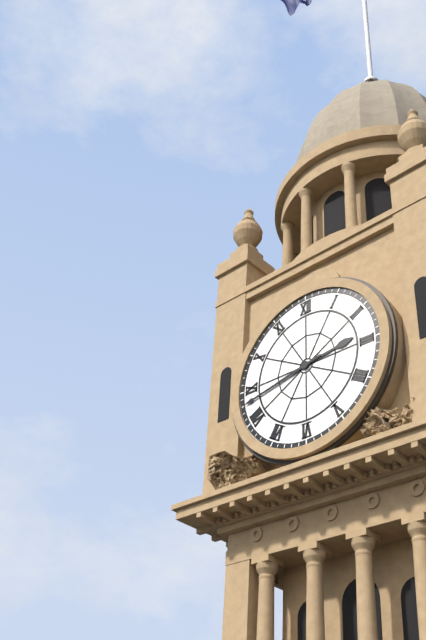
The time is 2:43
